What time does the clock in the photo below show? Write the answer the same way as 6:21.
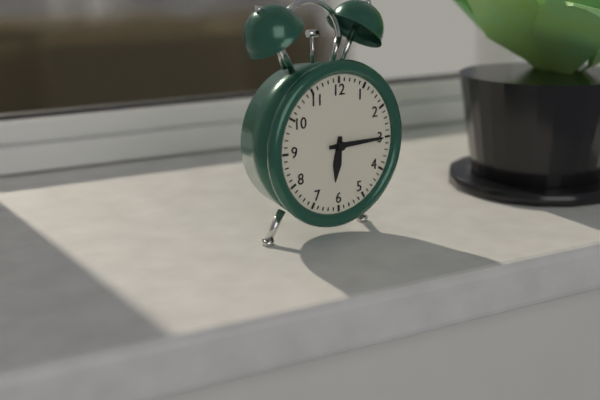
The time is 6:15
